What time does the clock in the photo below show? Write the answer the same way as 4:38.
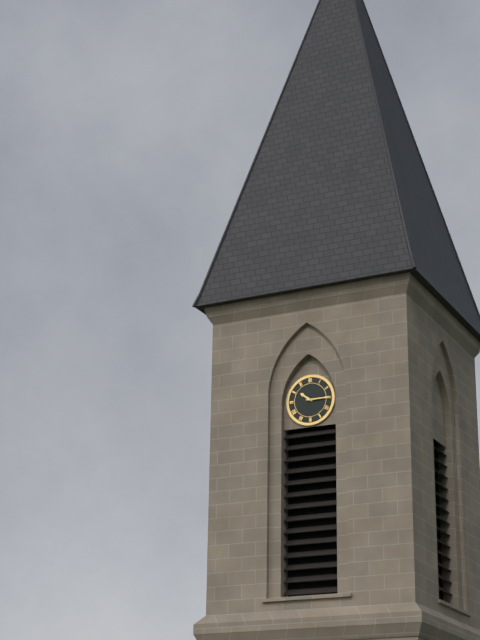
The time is 10:15
